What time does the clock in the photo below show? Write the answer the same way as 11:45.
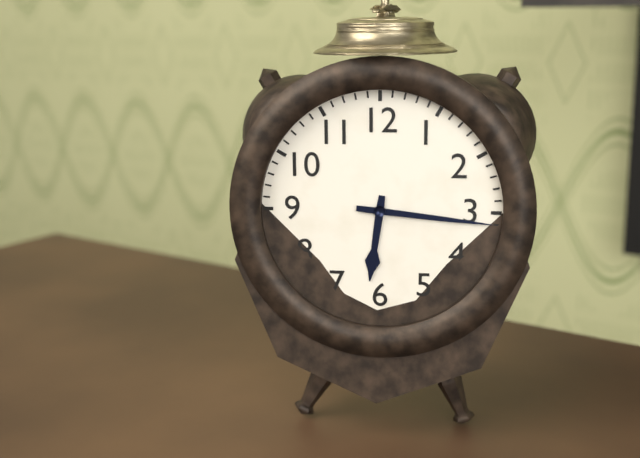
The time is 6:16
